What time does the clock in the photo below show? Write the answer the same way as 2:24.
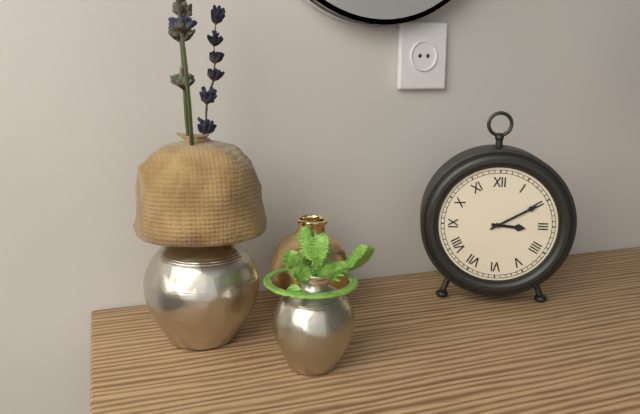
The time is 3:10
